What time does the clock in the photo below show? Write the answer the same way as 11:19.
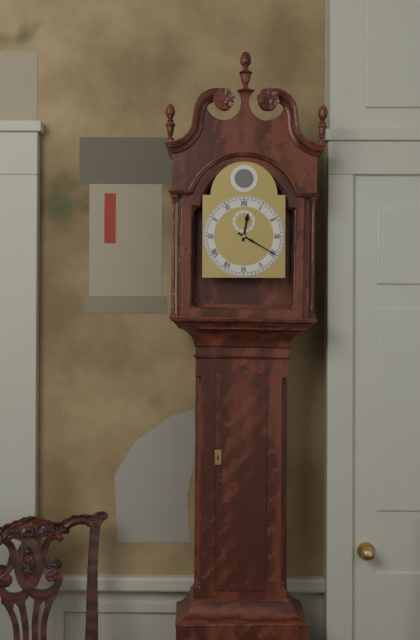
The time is 12:20
